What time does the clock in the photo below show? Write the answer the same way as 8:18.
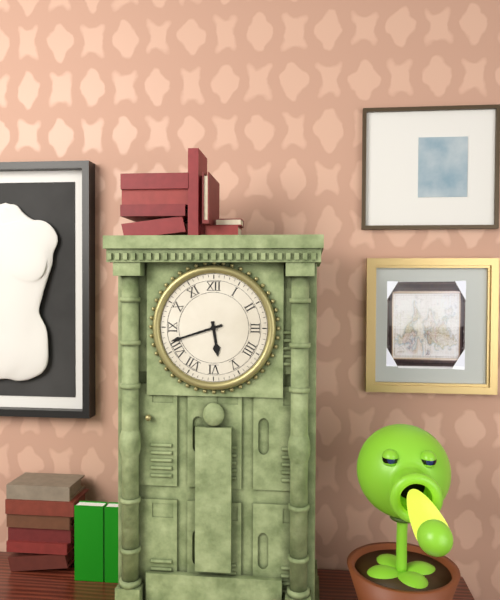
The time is 5:42
